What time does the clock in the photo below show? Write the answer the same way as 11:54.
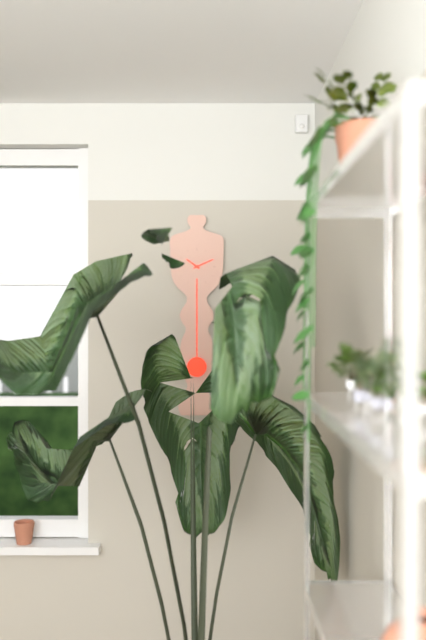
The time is 10:11
